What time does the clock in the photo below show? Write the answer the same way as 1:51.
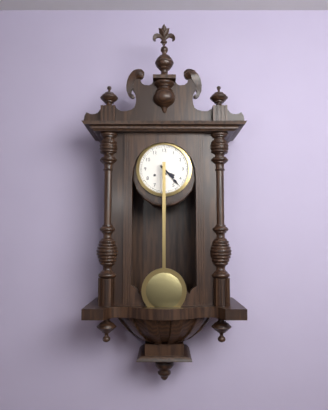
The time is 4:23
